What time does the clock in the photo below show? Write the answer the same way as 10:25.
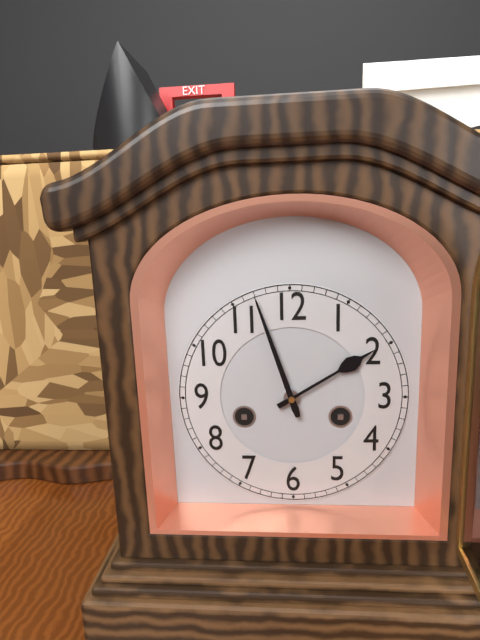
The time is 1:57
